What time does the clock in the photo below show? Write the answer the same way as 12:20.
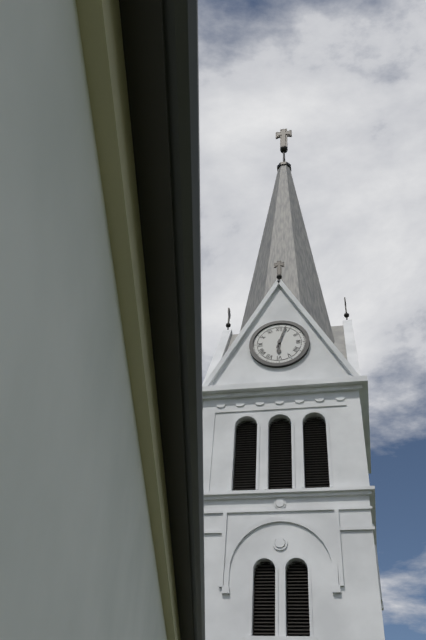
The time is 6:03
